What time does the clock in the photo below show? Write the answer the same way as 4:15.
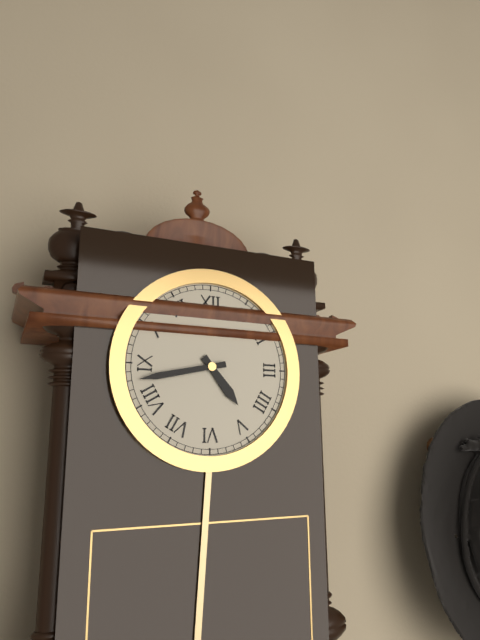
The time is 4:43
